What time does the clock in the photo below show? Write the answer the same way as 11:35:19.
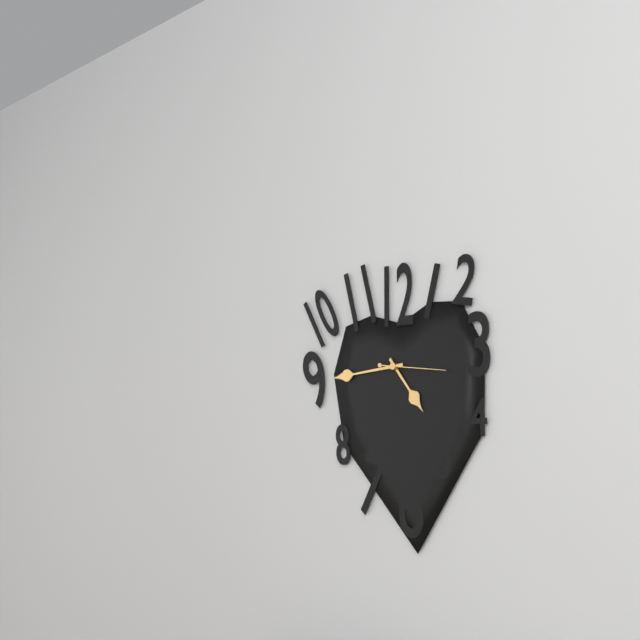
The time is 4:44:16
